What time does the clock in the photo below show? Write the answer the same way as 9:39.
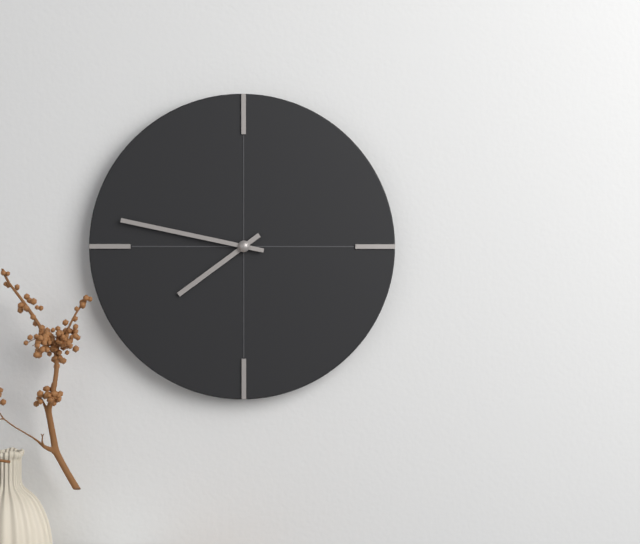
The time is 7:47
